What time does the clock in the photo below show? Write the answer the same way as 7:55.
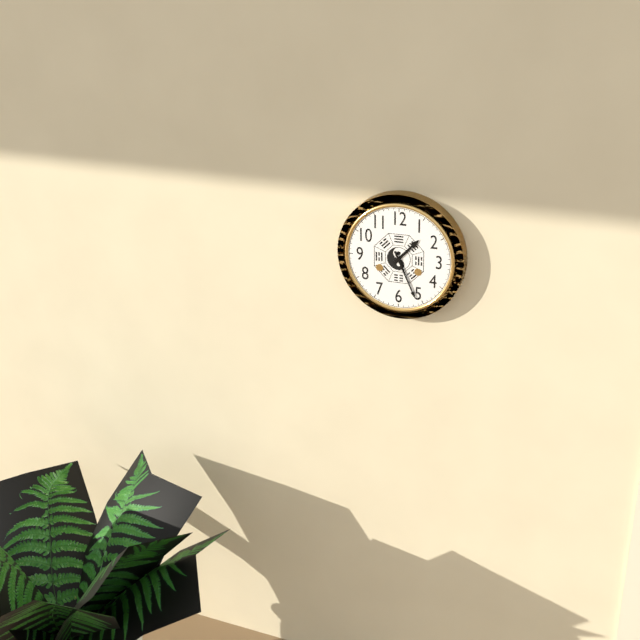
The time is 1:26
